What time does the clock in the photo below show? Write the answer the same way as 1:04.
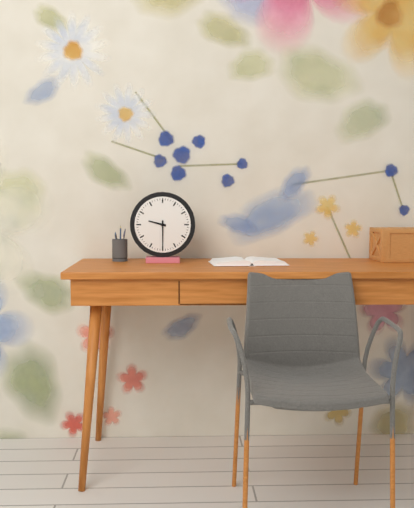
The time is 9:30
